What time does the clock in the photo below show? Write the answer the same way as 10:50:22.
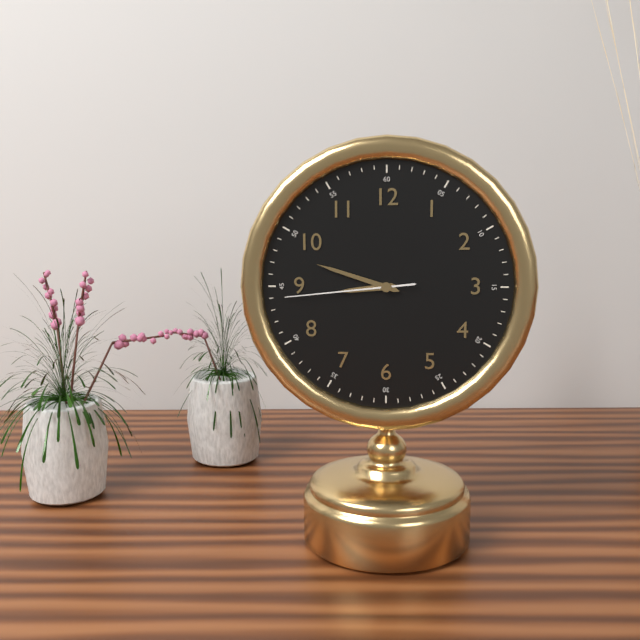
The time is 8:48:44
